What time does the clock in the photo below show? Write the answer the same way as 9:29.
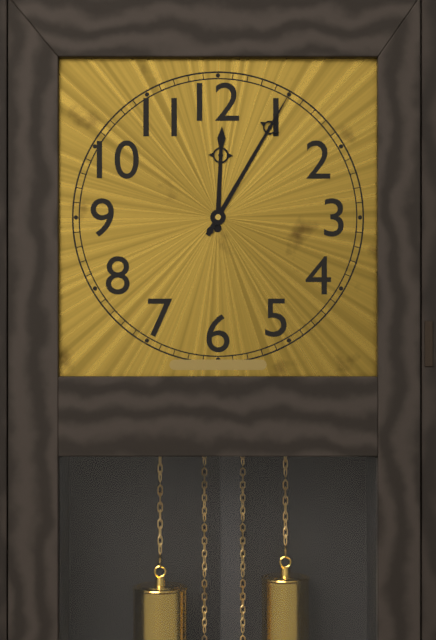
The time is 12:05
